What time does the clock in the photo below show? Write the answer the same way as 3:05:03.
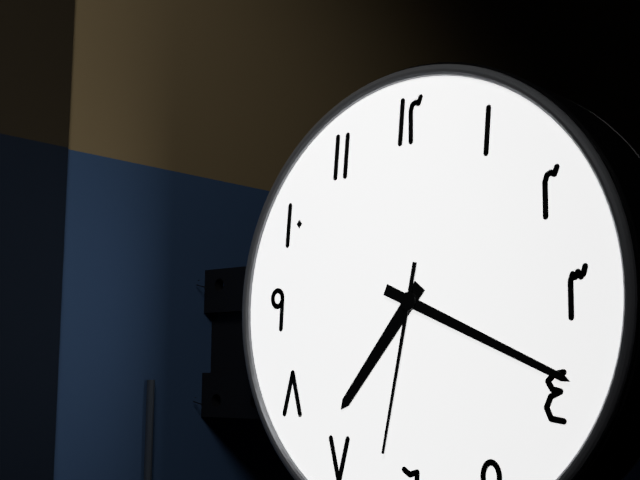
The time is 7:19:32
